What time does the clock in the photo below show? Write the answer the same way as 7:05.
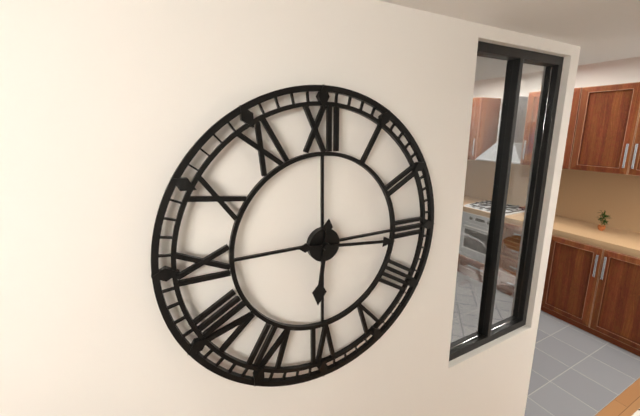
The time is 6:16
